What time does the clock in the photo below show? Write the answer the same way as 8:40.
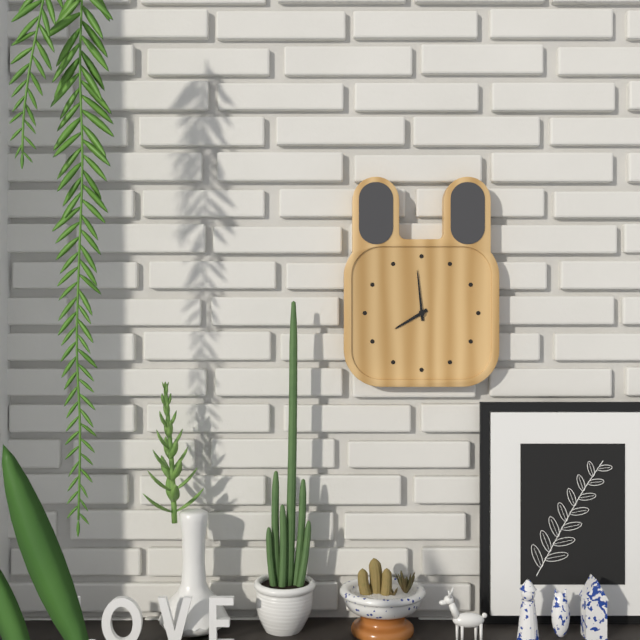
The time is 7:59
